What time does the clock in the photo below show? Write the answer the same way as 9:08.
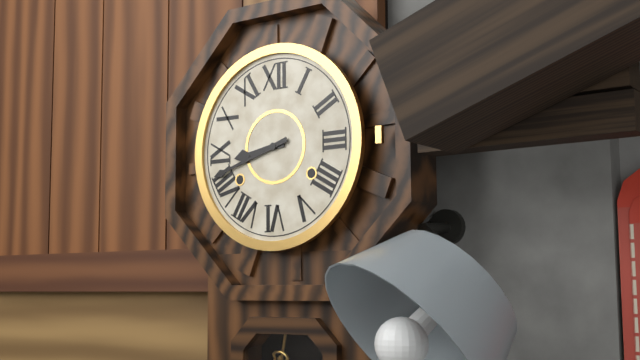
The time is 8:42
